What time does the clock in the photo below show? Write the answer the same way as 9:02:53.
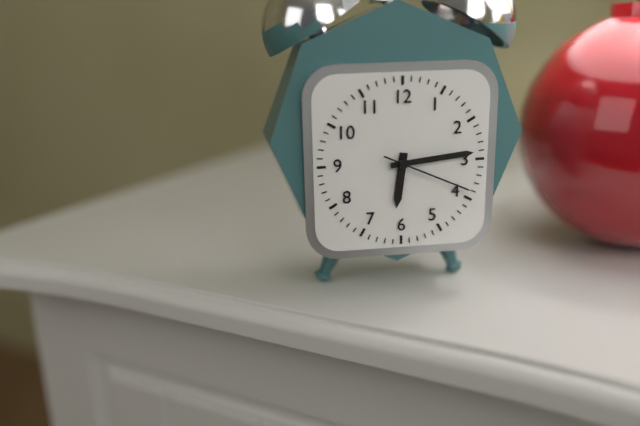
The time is 6:14:19
